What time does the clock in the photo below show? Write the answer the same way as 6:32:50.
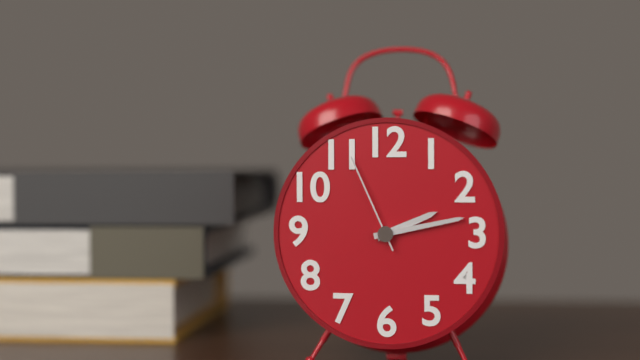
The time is 2:13:56
